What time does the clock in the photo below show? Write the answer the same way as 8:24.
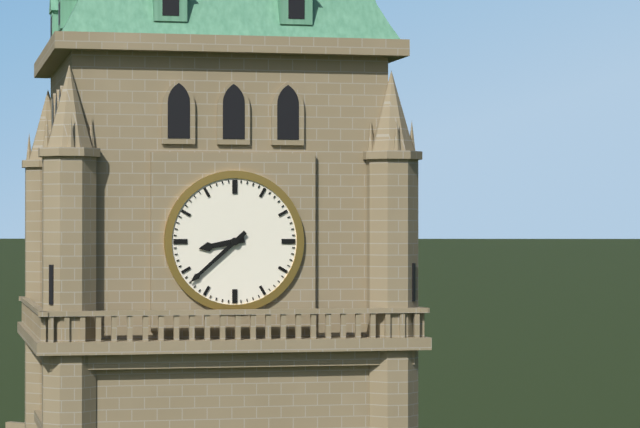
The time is 8:38
